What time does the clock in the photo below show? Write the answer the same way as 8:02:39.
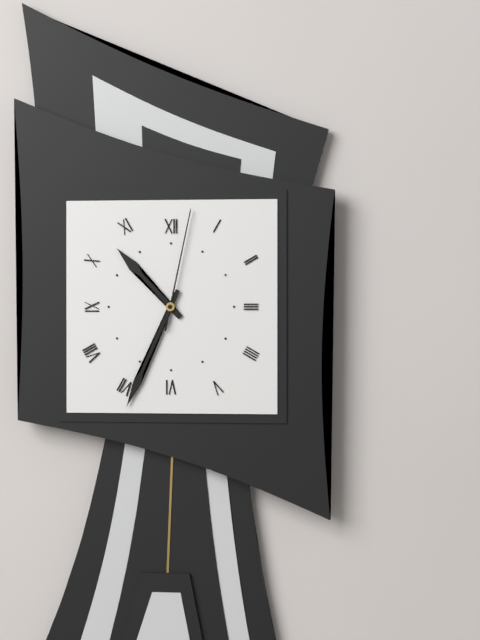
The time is 10:34:02
